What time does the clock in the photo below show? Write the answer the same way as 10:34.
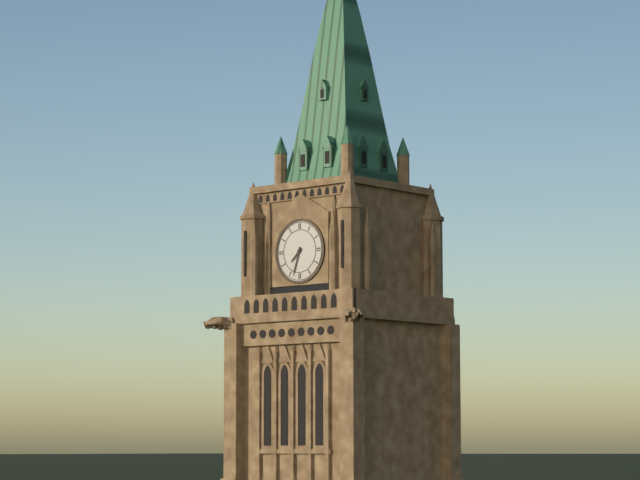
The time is 7:33
